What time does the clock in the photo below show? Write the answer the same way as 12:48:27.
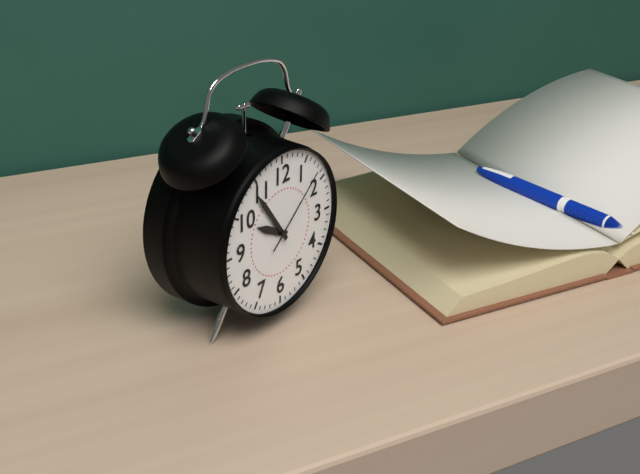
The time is 9:54:08
